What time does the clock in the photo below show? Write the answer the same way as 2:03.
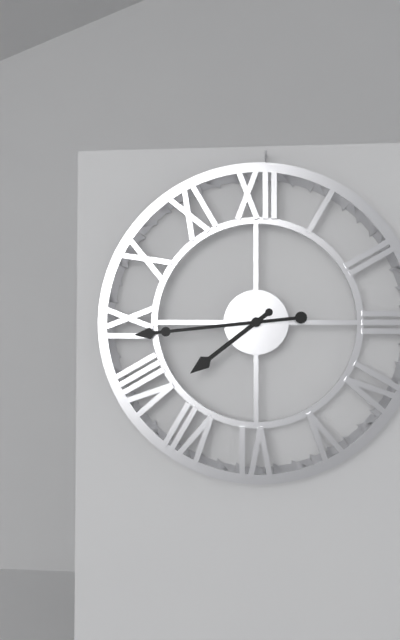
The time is 7:44
